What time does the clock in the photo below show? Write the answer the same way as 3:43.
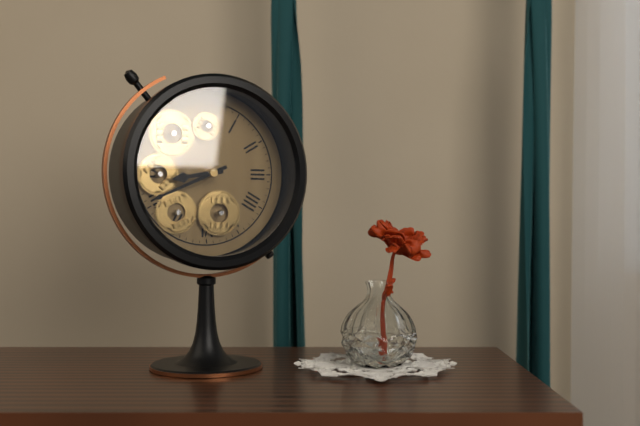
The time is 8:41
